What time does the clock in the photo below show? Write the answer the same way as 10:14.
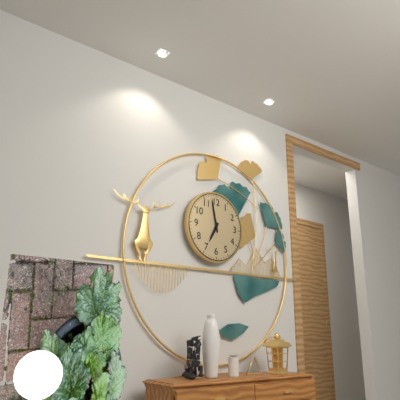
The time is 6:58
